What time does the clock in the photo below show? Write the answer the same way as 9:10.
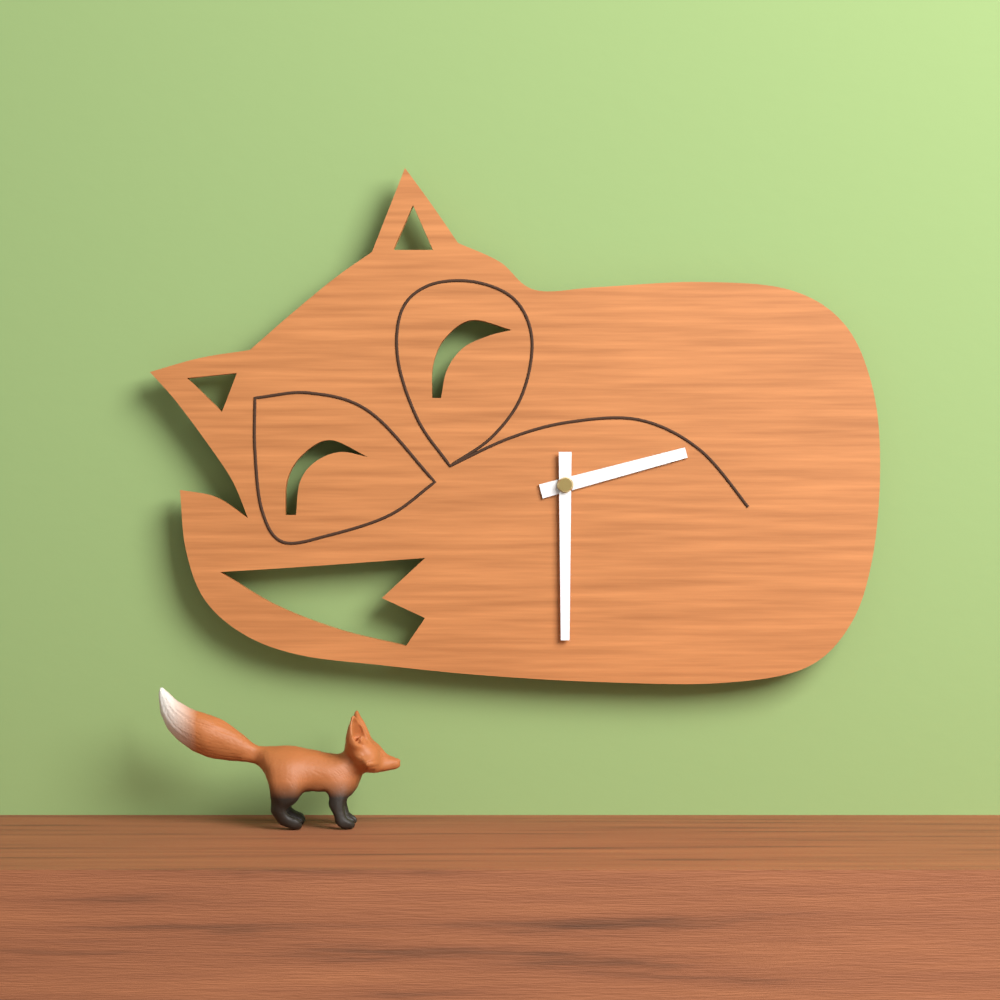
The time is 2:30
